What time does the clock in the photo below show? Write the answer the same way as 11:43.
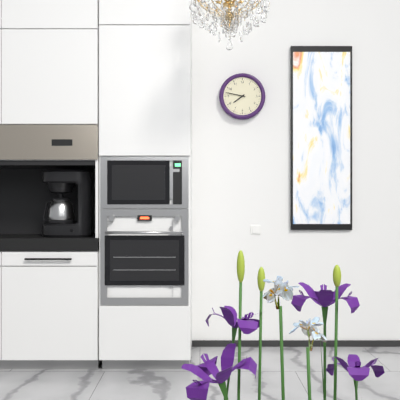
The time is 7:47
